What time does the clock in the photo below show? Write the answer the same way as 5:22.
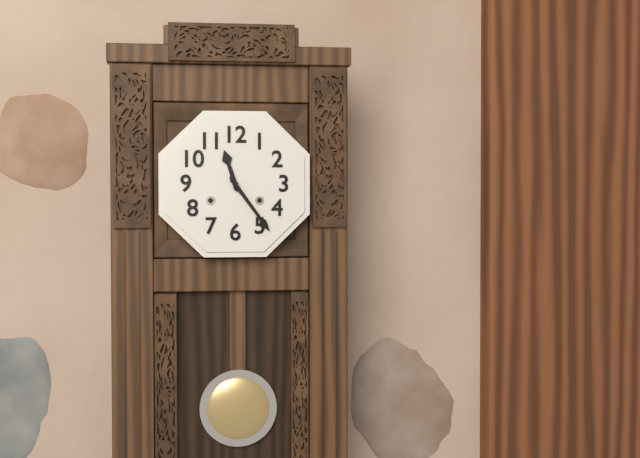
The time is 11:24
